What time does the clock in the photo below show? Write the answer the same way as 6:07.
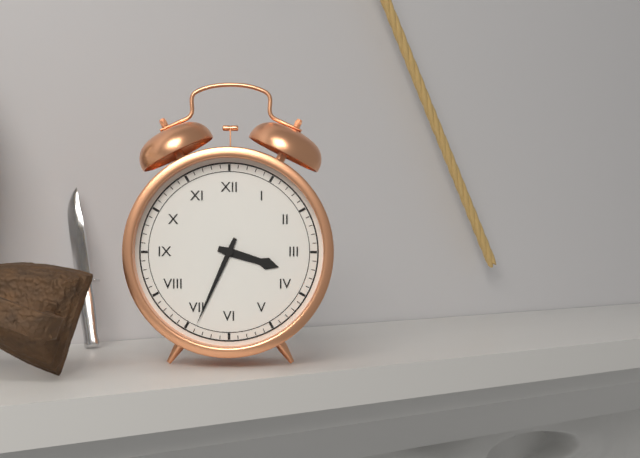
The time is 3:34
